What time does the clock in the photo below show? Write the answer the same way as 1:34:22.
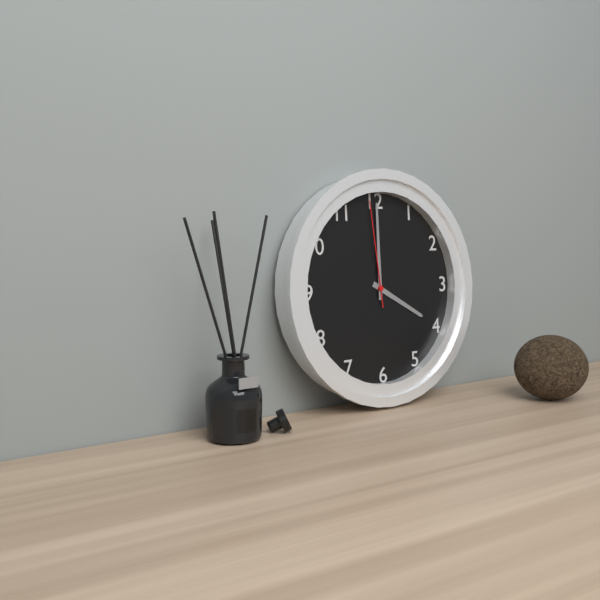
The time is 4:00:59
